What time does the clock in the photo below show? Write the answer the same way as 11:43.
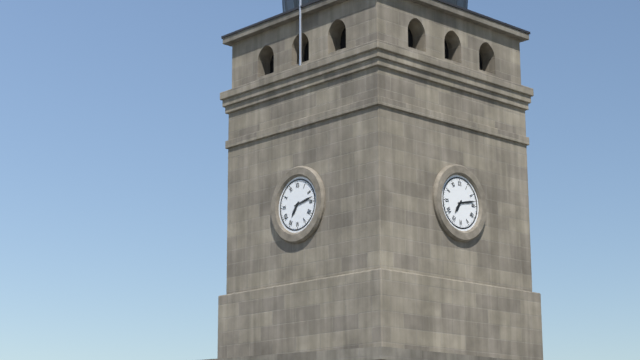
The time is 7:13
